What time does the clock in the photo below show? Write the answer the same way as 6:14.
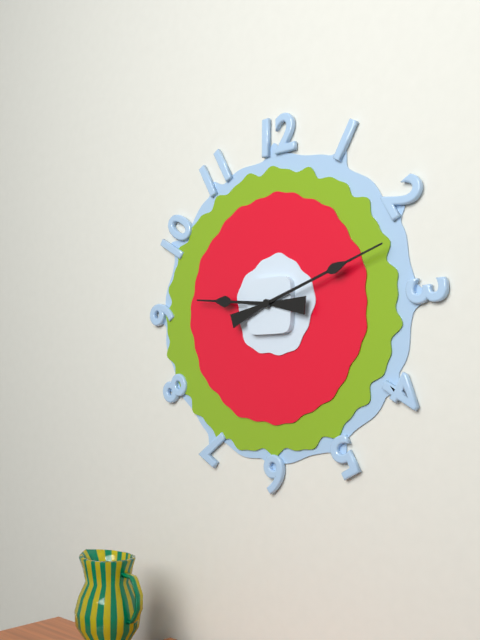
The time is 9:12
